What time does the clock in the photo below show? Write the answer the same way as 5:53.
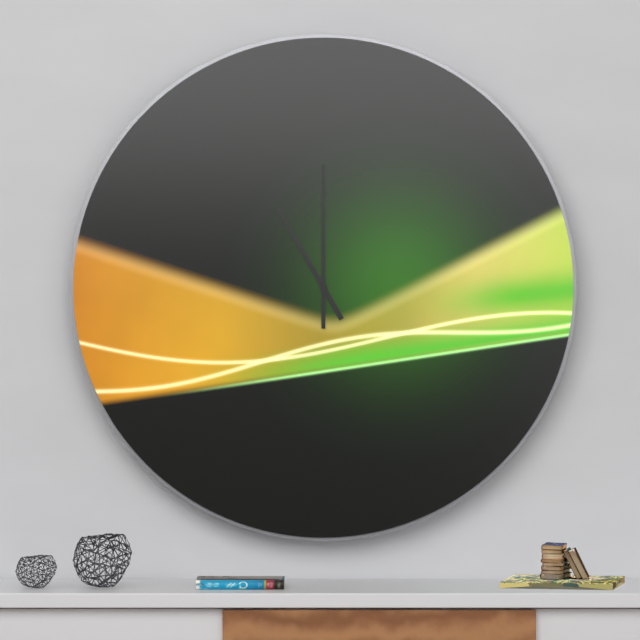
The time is 11:00
